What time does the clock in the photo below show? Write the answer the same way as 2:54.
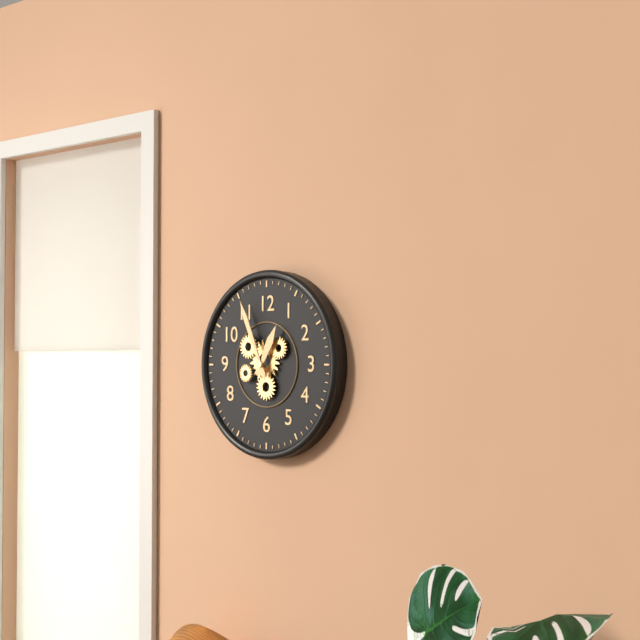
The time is 12:56
